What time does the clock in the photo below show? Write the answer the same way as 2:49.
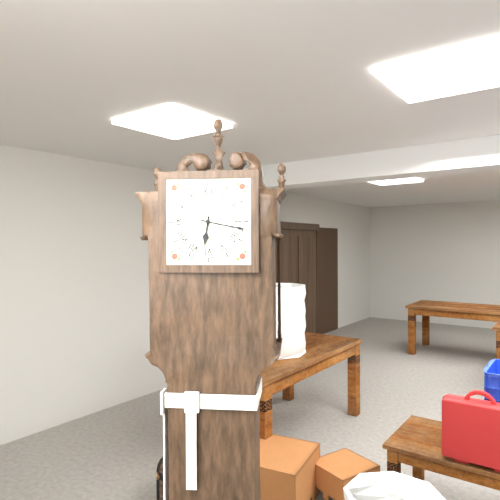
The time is 6:17
